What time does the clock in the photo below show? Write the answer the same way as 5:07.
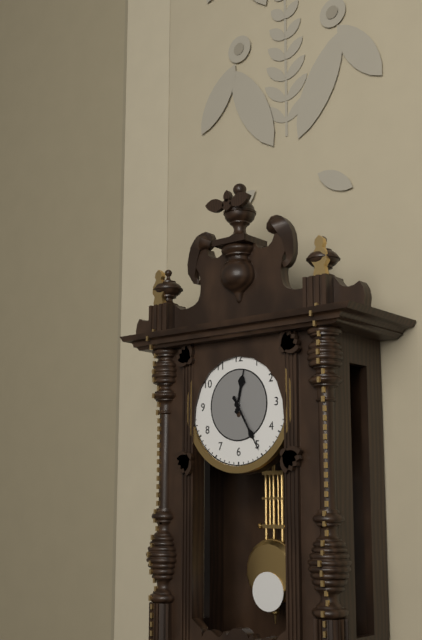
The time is 12:25
